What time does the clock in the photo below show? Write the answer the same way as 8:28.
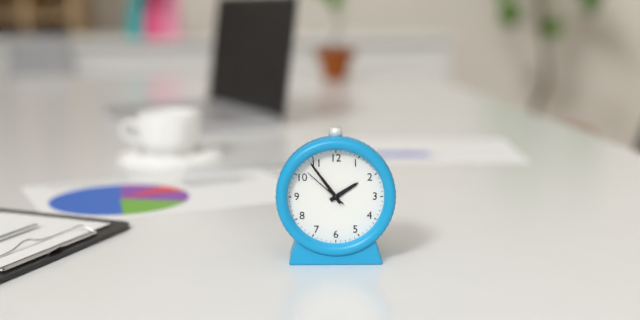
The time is 1:54
